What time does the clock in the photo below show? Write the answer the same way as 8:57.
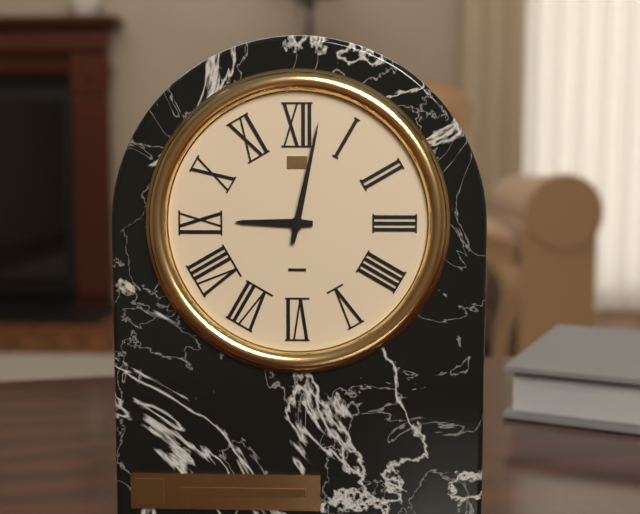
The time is 9:02
